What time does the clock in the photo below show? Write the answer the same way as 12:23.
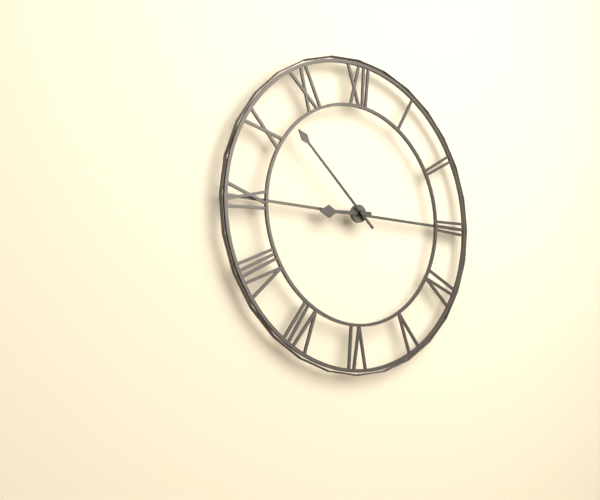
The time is 8:52
